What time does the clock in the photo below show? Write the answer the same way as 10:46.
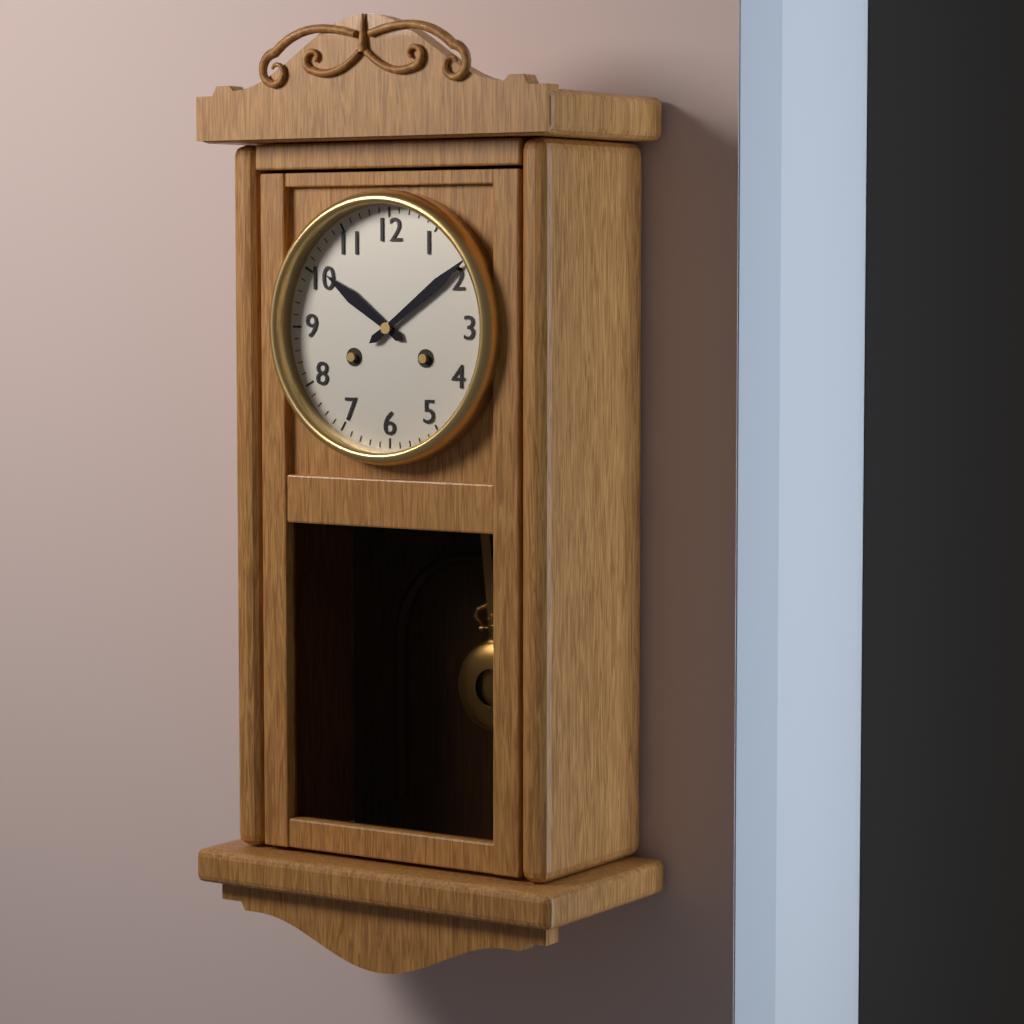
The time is 10:09
